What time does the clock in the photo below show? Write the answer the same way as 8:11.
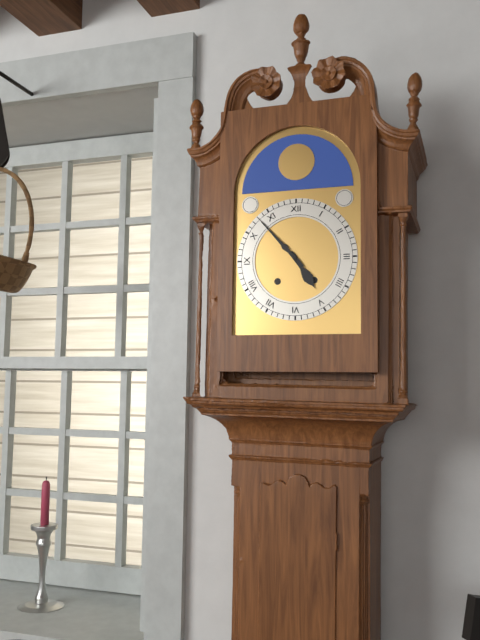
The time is 4:53
